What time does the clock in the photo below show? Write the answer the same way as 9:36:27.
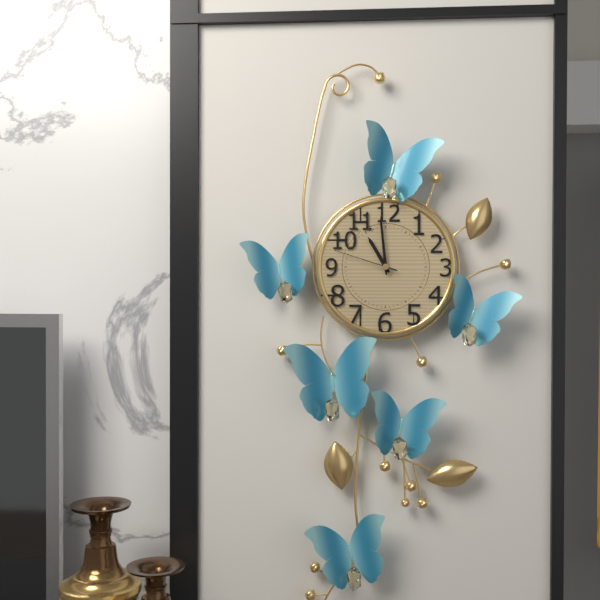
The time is 10:59:48
